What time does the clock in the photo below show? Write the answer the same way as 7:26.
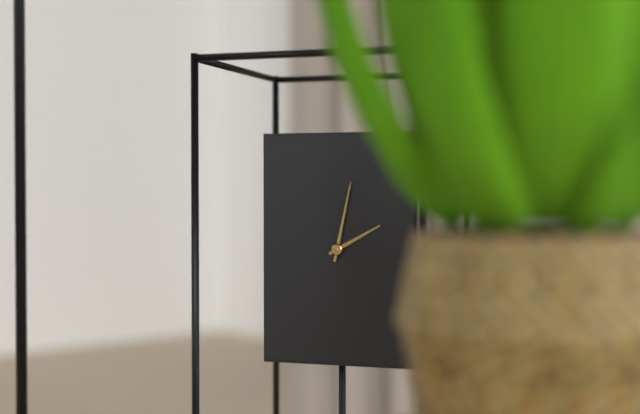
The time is 2:02
